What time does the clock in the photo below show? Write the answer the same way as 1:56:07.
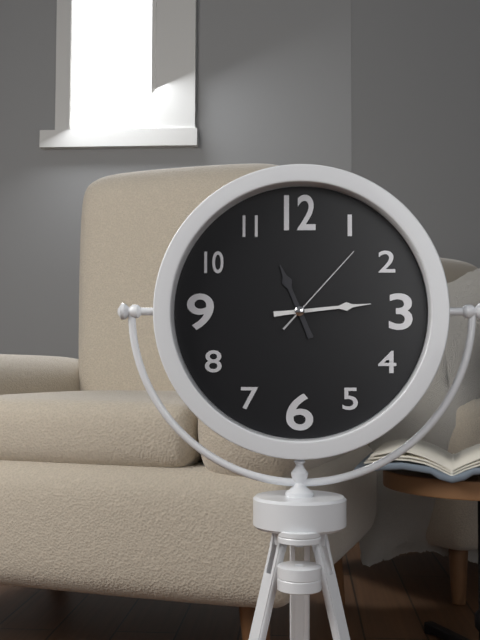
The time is 11:14:07
